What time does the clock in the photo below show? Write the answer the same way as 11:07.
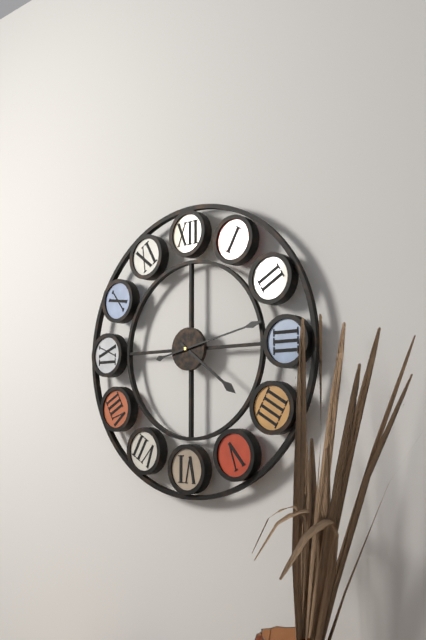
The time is 4:13
